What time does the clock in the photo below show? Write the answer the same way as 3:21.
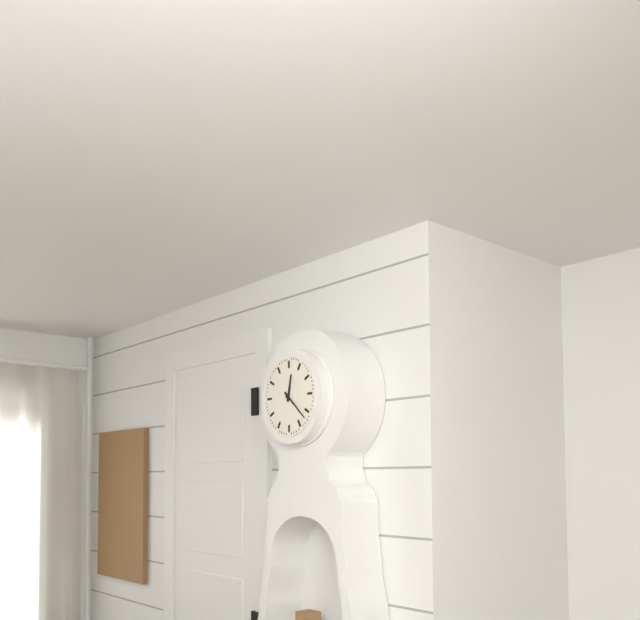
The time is 12:22
